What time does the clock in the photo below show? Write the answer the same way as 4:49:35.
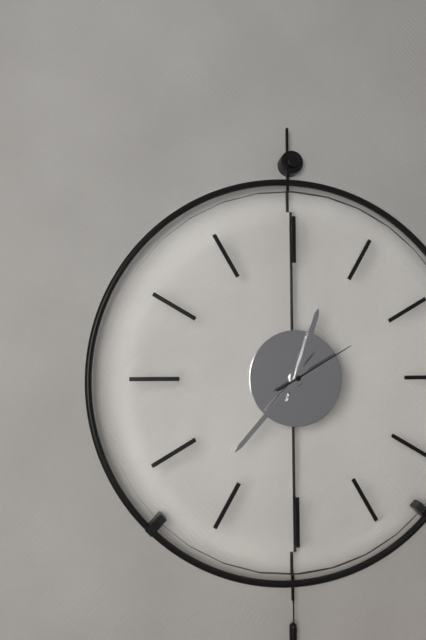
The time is 12:37:10
